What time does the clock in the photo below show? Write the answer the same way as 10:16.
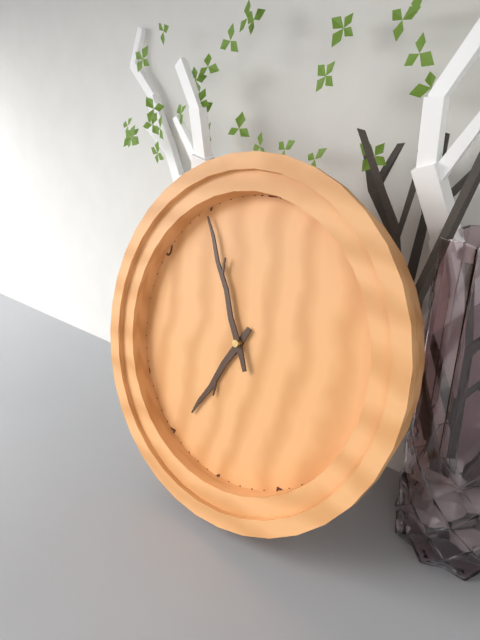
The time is 6:55
